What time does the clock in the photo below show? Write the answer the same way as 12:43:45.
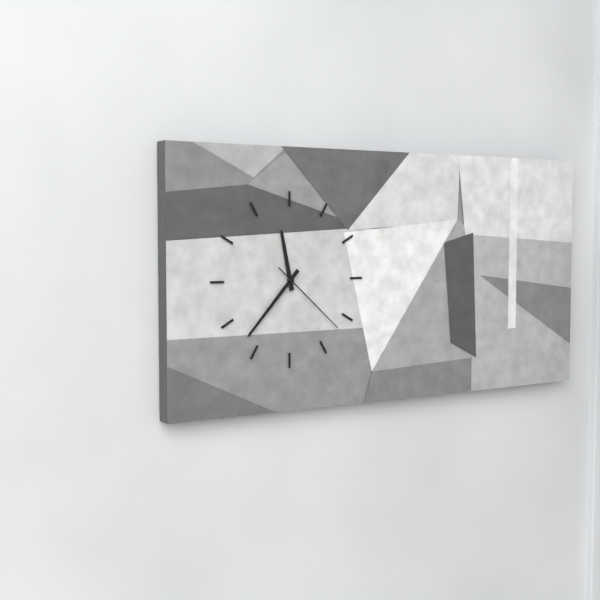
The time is 11:37:22
